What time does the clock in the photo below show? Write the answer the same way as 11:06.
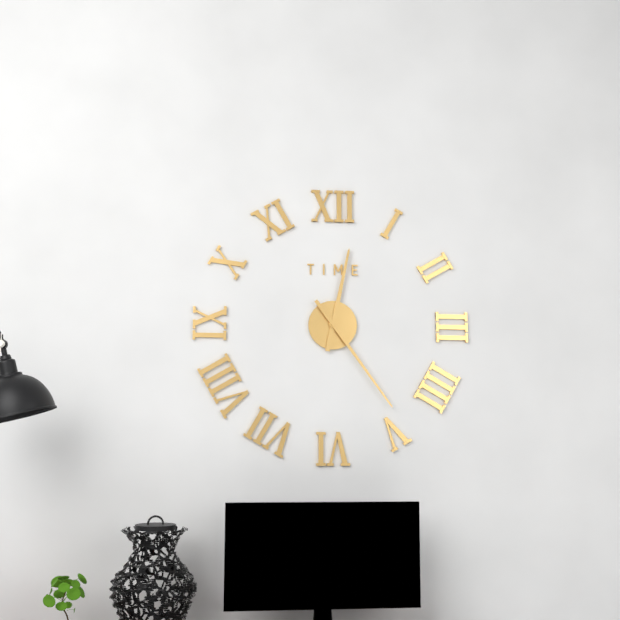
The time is 12:24
